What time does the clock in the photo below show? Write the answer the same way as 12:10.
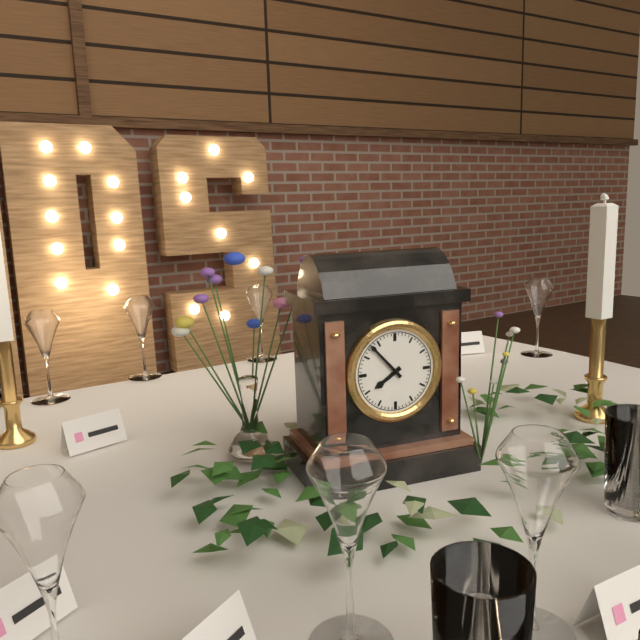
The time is 7:53
